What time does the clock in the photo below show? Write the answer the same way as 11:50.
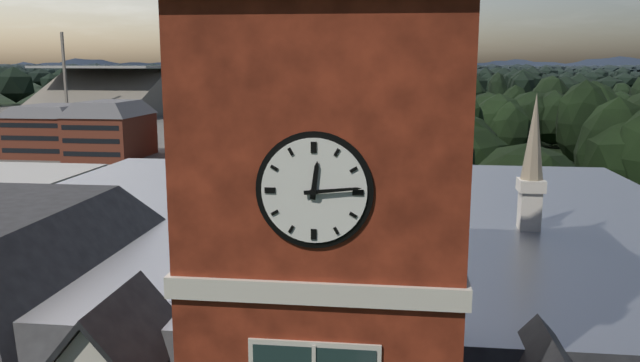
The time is 12:14
